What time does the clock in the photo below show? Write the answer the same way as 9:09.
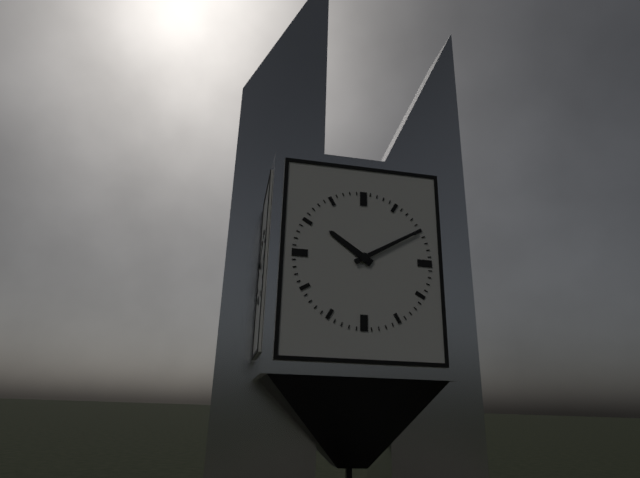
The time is 10:10
